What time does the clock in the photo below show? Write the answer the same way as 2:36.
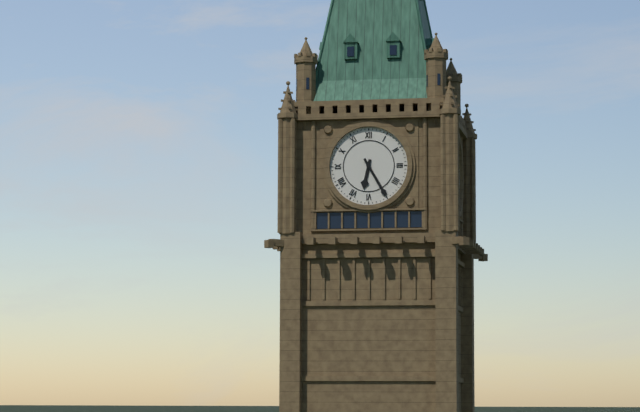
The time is 6:25
